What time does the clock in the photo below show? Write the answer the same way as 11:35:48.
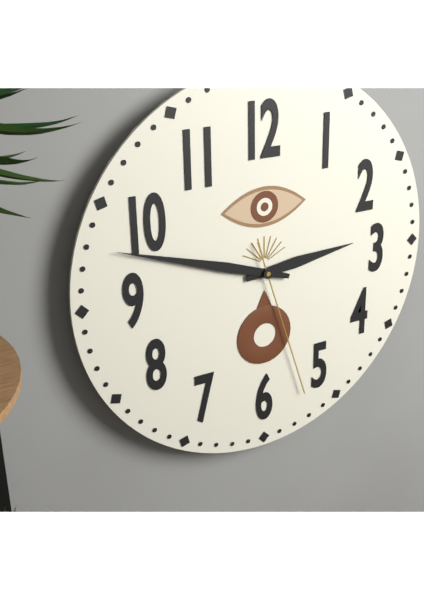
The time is 2:48:27
